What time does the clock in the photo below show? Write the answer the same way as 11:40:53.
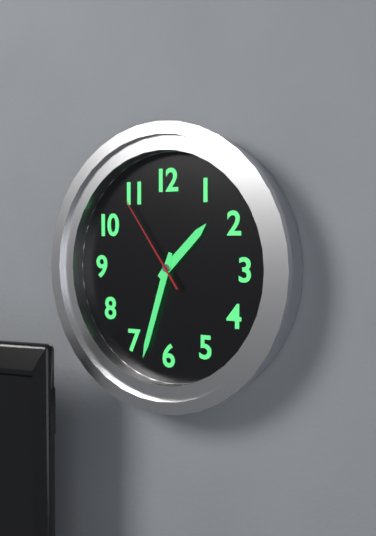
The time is 1:33:54
